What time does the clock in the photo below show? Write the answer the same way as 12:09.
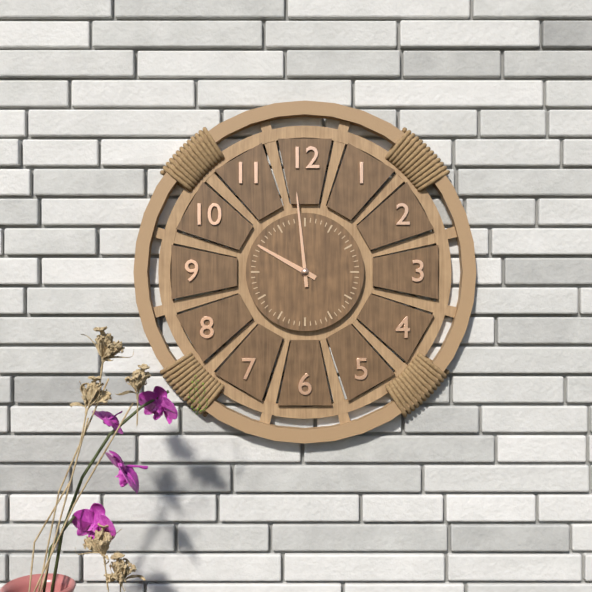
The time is 9:59
